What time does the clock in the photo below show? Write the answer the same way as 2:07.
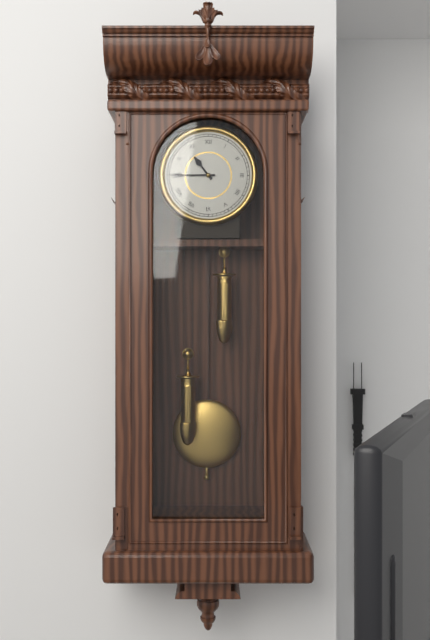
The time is 10:45
